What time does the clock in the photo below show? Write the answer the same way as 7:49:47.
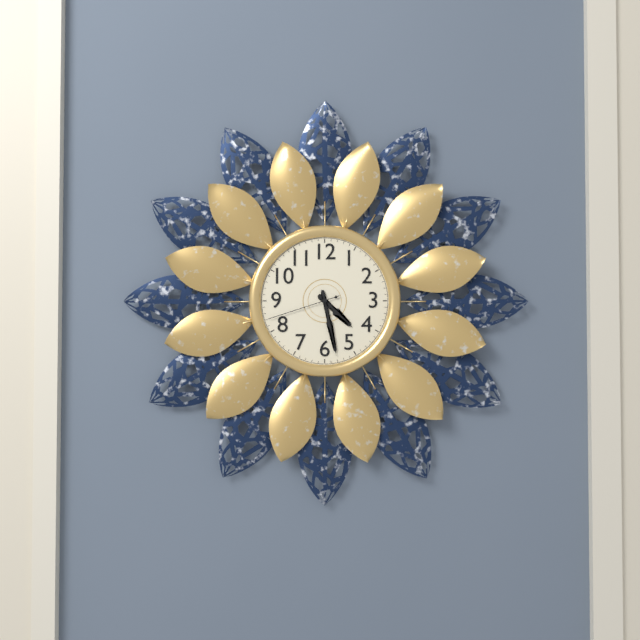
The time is 4:28:42
